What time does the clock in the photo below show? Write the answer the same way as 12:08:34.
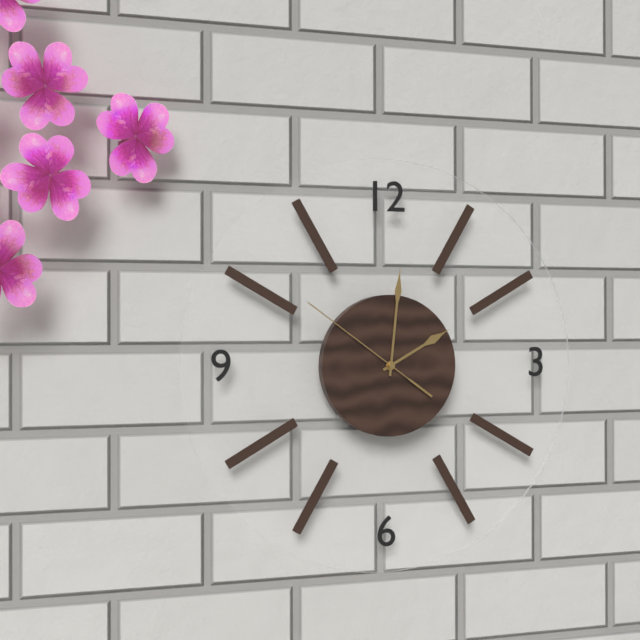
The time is 2:01:51
